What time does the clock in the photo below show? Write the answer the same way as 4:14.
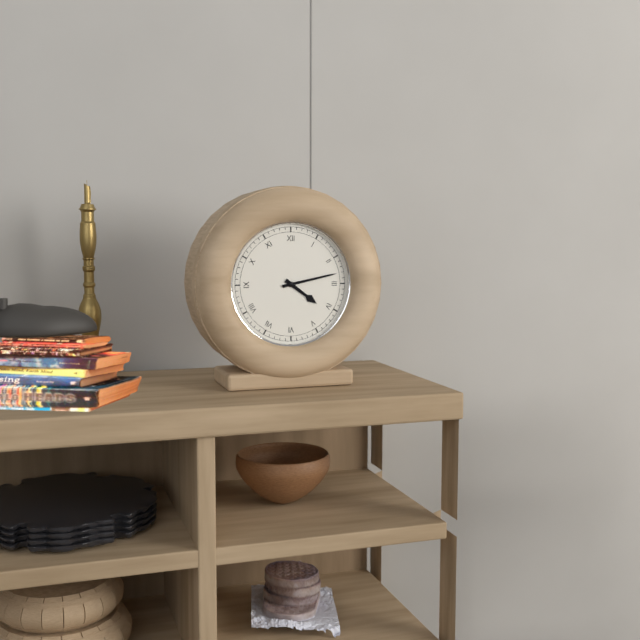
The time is 4:13
